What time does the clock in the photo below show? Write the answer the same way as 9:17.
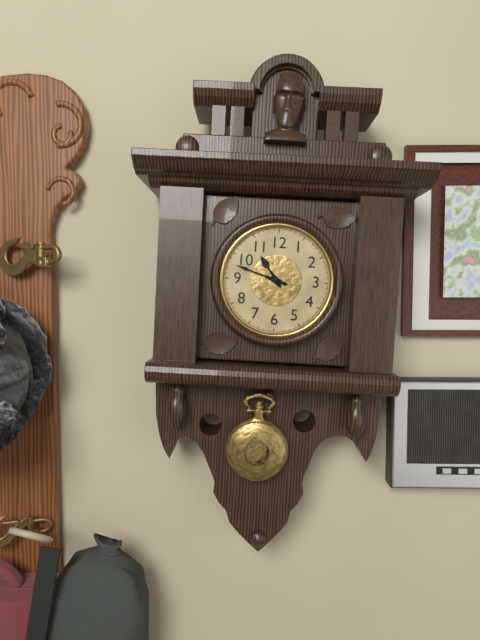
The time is 10:48
